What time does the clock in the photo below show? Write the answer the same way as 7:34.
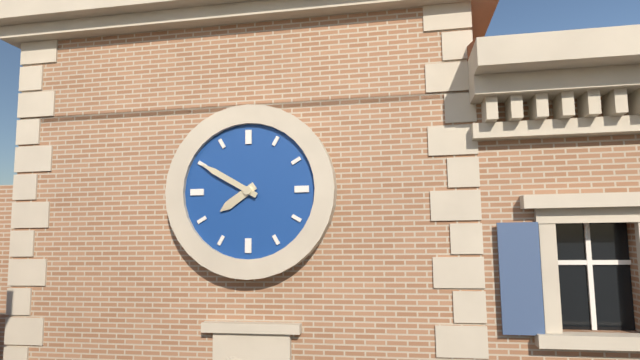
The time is 7:50
